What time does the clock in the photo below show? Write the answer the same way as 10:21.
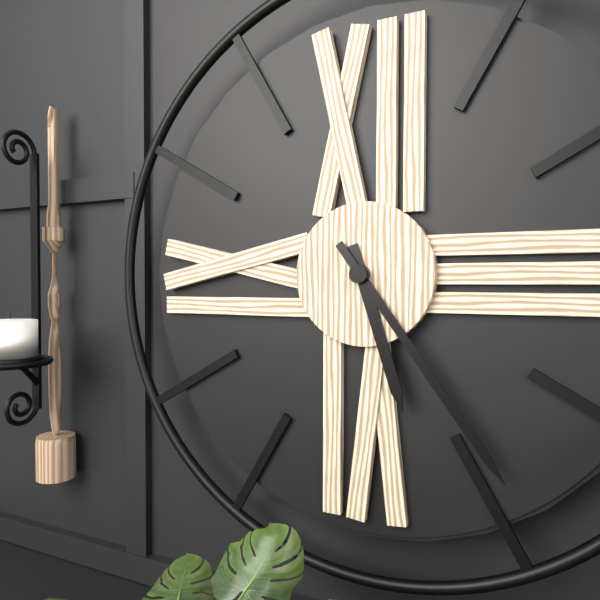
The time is 5:24
